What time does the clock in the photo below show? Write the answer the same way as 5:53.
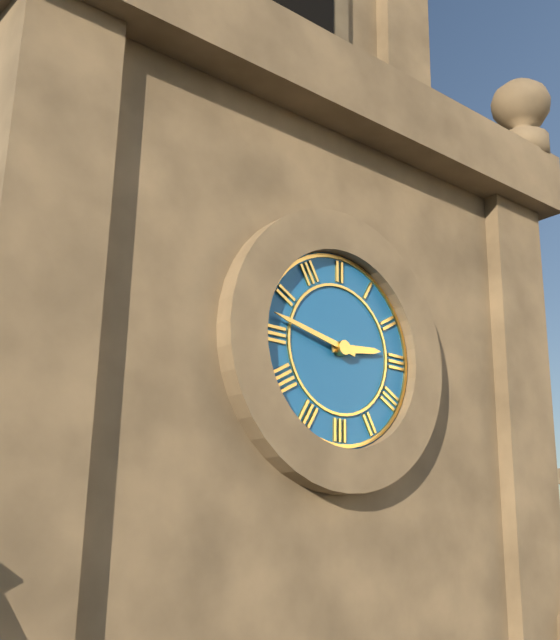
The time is 2:47
